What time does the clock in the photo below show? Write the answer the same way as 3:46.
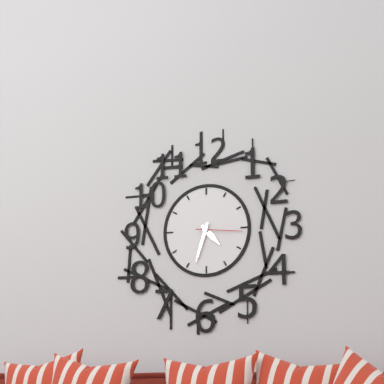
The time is 4:33
